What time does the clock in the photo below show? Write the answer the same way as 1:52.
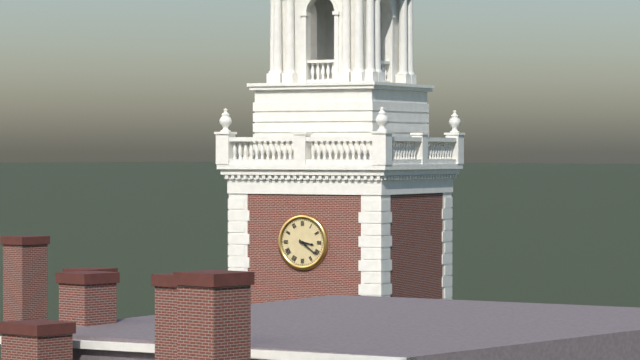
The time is 3:21
